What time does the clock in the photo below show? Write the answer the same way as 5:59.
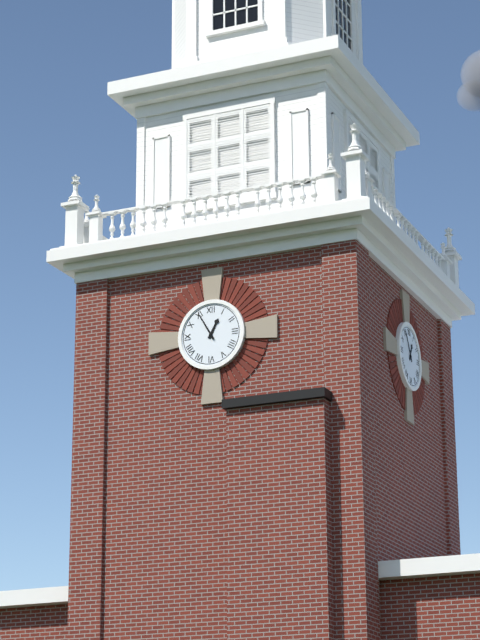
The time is 12:55
